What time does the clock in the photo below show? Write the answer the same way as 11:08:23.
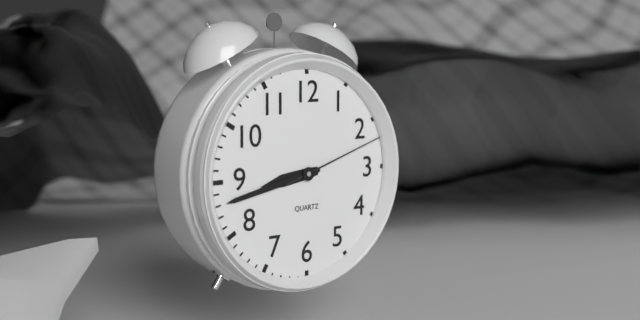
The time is 8:43:12
